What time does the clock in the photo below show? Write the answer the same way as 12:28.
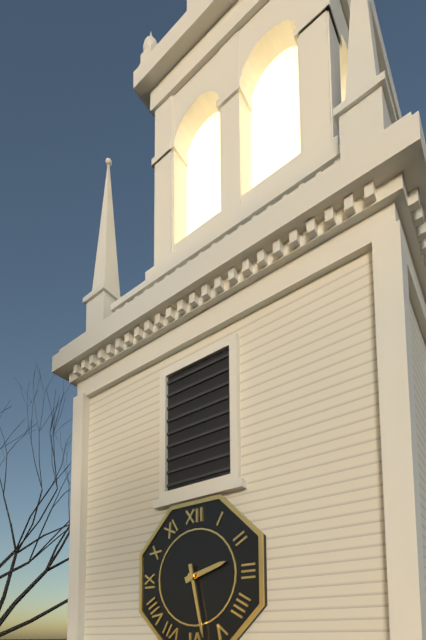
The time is 2:28
